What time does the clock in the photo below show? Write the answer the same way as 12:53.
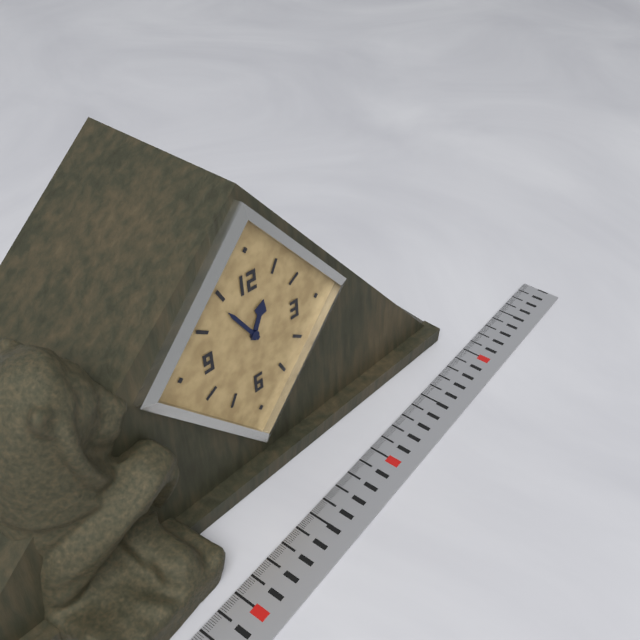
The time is 12:54
